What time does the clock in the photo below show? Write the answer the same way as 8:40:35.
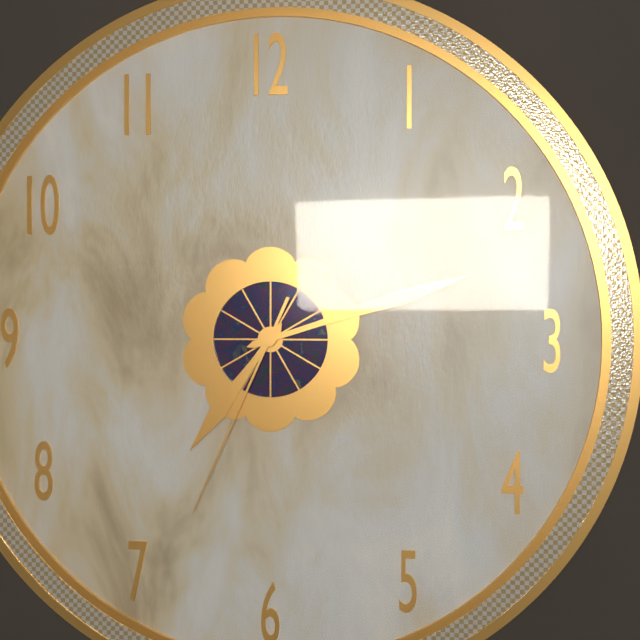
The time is 7:12:34
